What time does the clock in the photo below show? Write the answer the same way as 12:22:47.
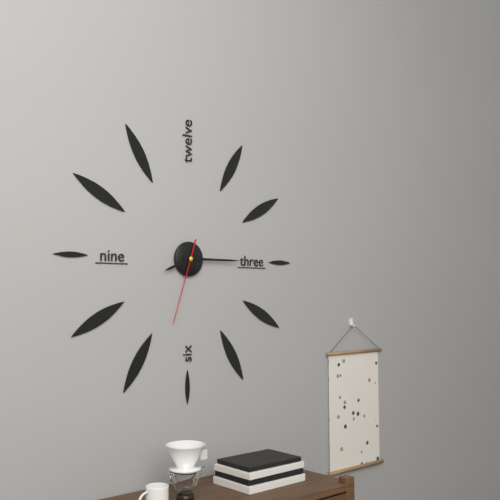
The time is 8:15:33
